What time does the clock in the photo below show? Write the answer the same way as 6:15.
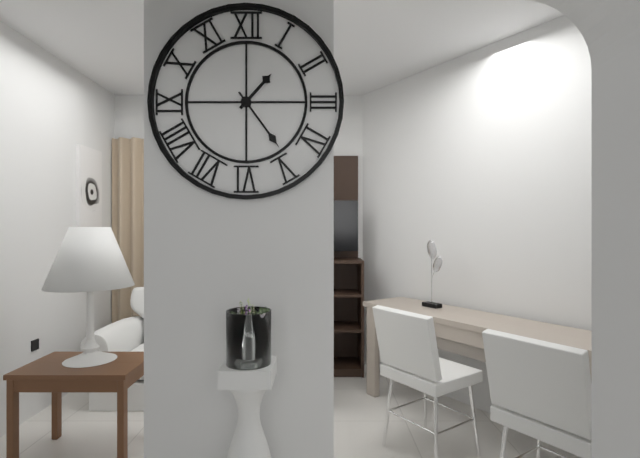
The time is 1:24
